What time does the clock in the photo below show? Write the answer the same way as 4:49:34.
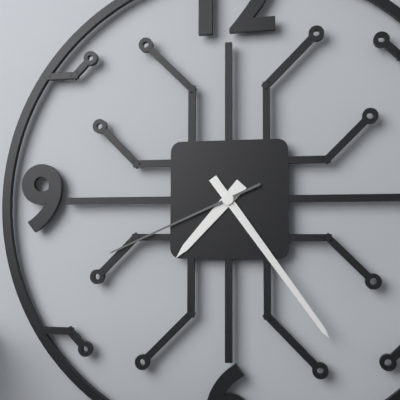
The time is 7:24:41
